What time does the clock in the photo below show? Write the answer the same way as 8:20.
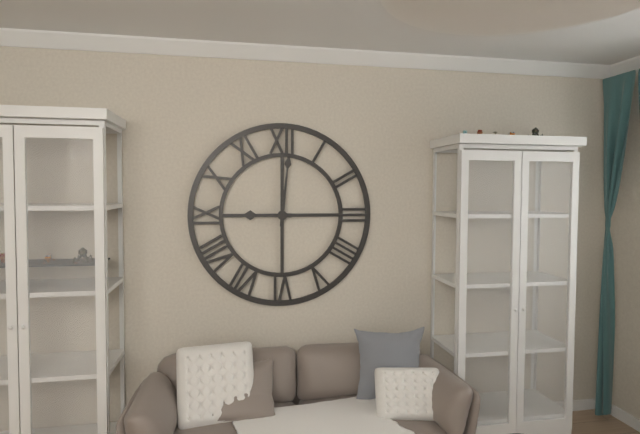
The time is 9:01
